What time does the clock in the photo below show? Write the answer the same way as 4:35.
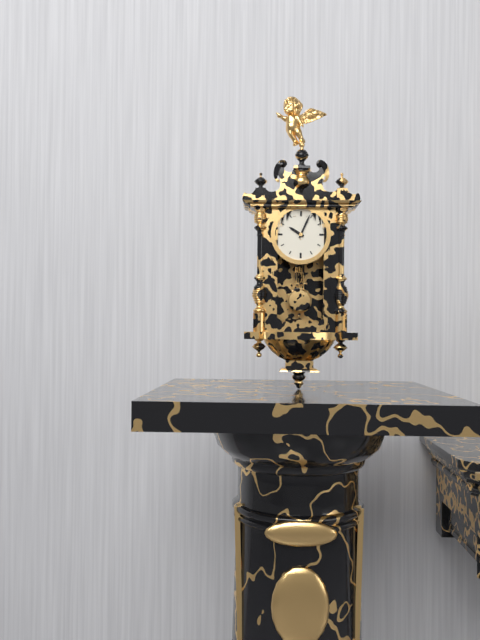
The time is 10:04
